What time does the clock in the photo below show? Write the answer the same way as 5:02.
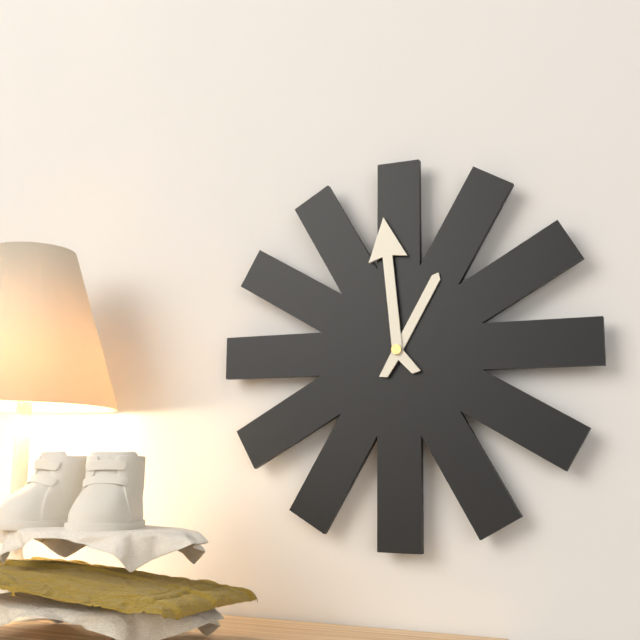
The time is 12:59
